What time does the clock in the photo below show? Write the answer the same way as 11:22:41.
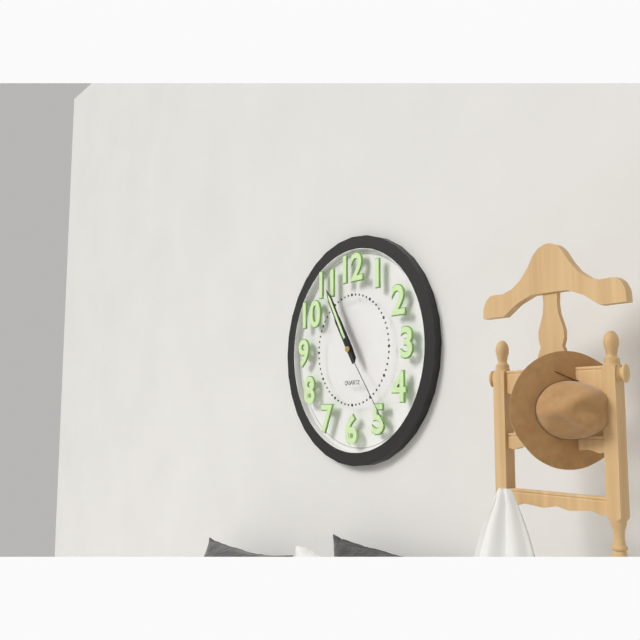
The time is 10:55:24
